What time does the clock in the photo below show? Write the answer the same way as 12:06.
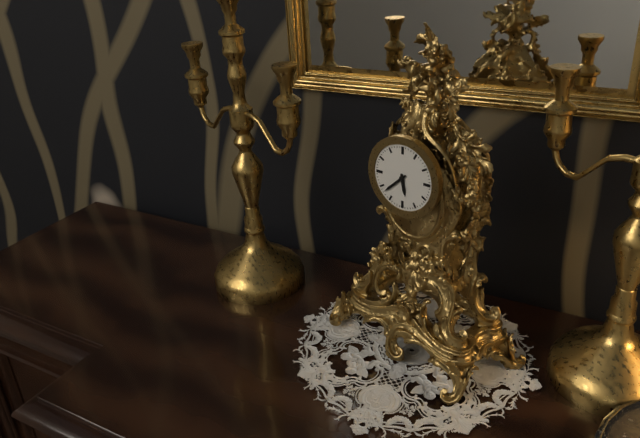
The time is 5:38
